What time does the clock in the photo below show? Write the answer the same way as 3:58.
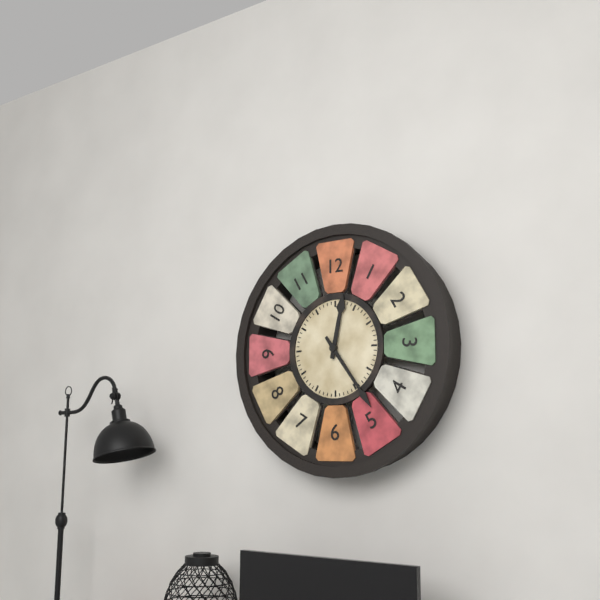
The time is 12:24
